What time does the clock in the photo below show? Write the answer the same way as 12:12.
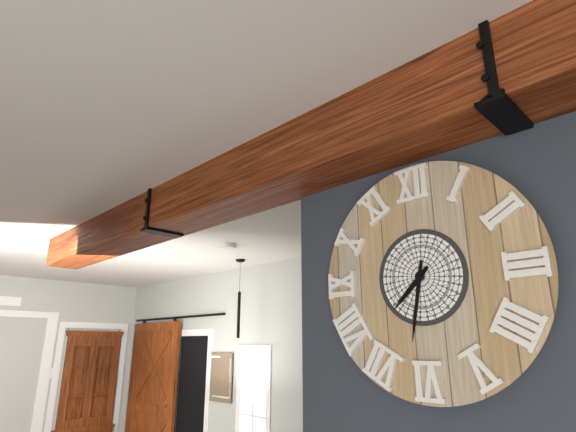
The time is 7:32
